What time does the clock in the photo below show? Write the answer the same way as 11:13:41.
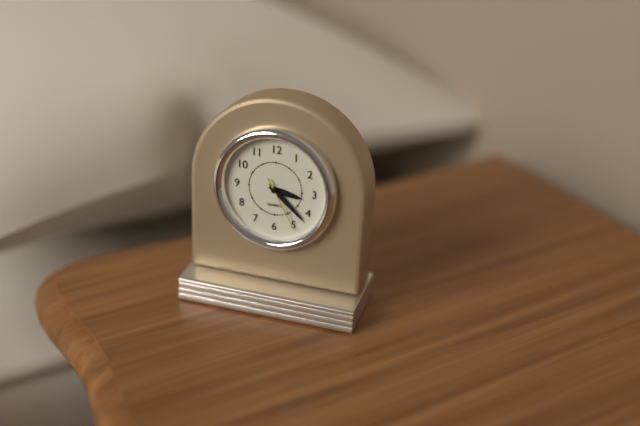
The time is 3:22:25
